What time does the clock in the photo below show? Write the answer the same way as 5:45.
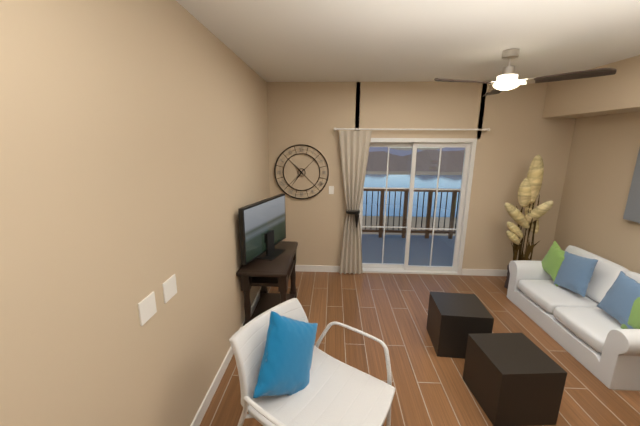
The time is 10:36
